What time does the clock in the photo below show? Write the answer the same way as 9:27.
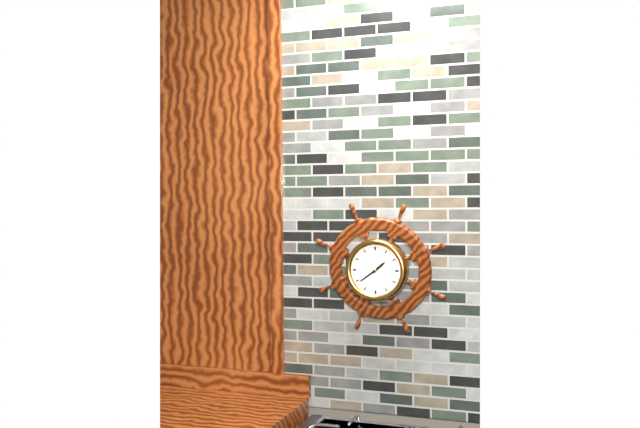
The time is 1:39
